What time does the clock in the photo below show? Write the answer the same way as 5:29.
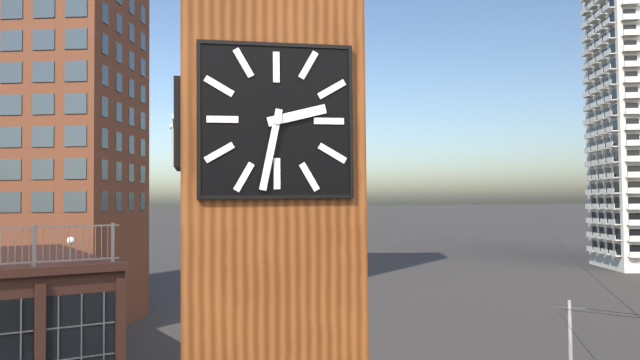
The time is 2:32
